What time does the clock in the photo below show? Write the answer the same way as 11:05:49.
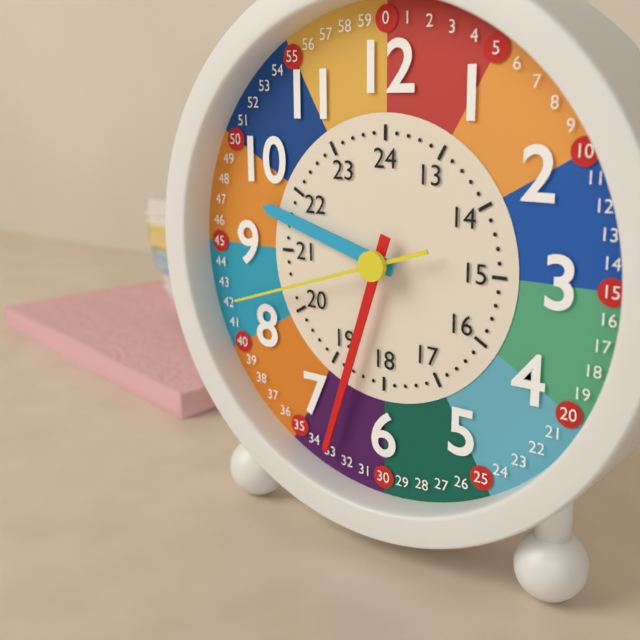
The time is 9:33:42
